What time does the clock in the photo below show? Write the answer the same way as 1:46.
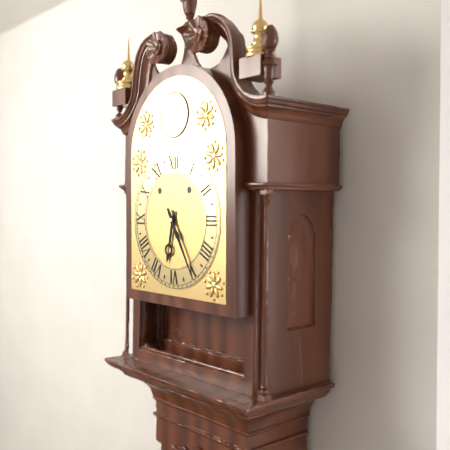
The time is 6:25
